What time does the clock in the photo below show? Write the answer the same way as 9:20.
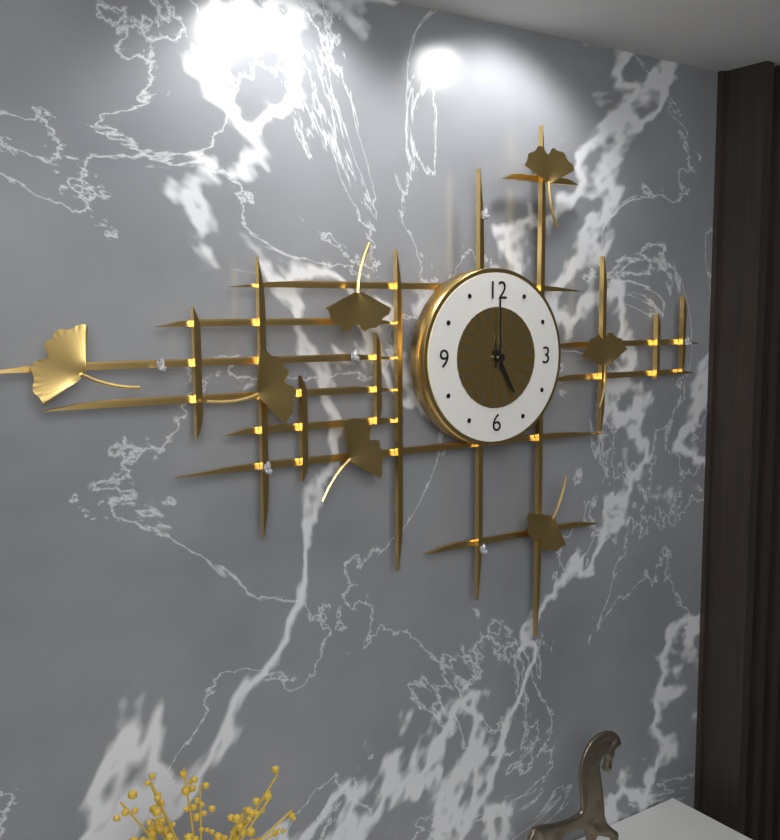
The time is 5:00
